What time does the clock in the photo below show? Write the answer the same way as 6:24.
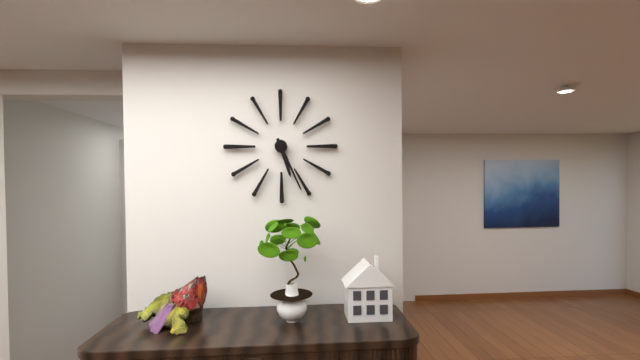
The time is 5:26
